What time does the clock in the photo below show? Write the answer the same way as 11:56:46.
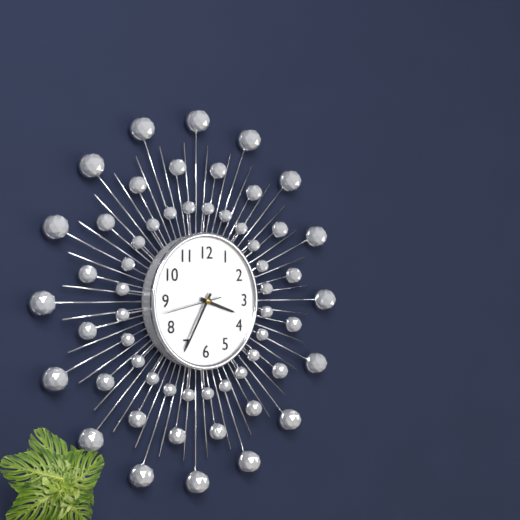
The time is 3:35:43
